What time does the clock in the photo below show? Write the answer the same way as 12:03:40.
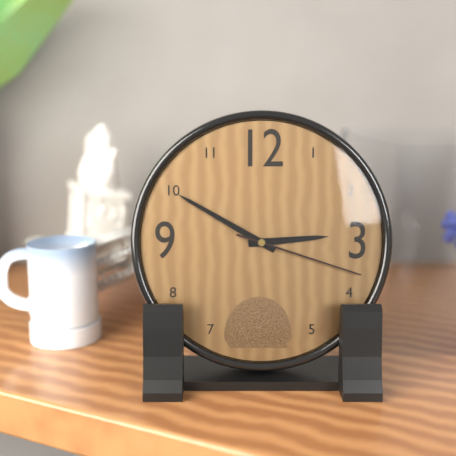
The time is 2:50:18
